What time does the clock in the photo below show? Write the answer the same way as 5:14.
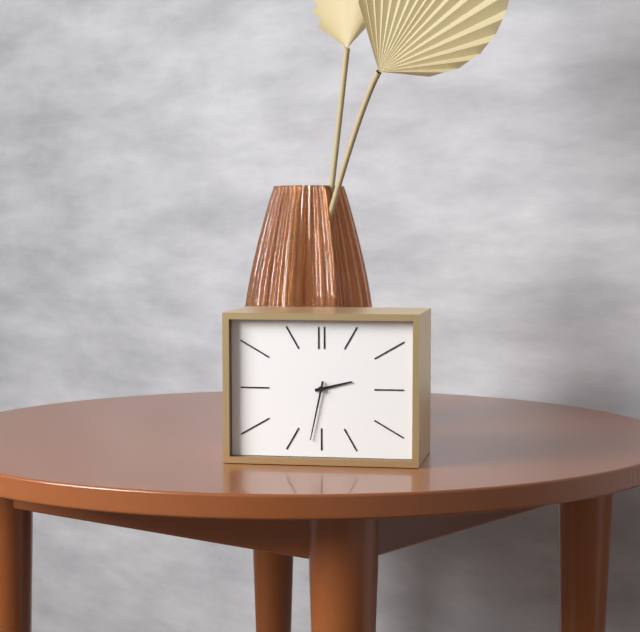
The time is 2:32
